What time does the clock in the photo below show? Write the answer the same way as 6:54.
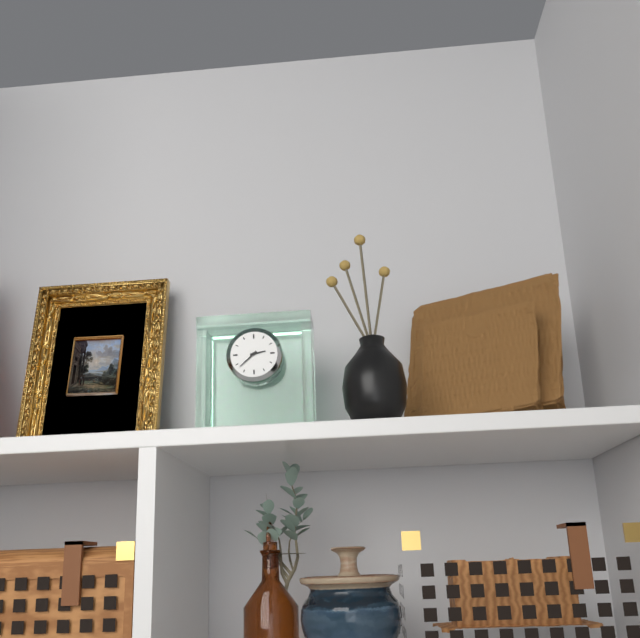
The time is 2:38
